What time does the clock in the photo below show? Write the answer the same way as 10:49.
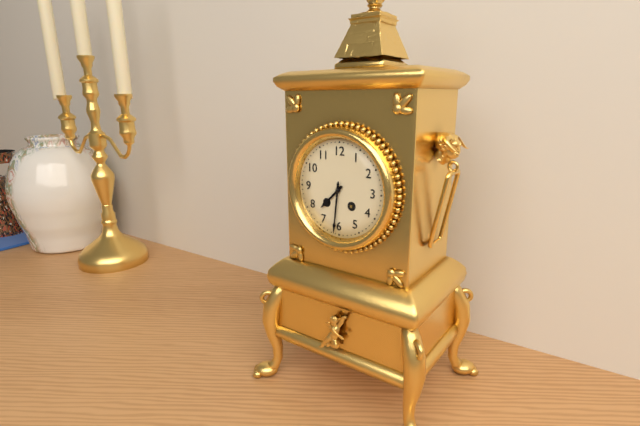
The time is 7:31
